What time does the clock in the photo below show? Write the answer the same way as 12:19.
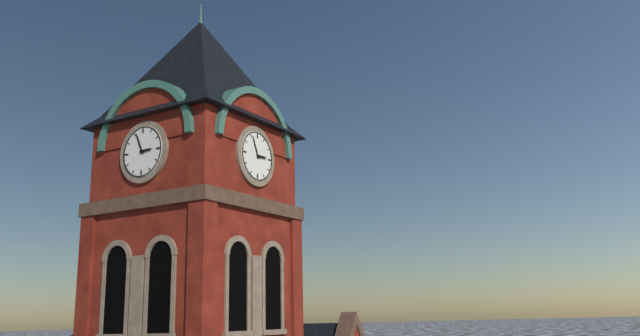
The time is 2:56
